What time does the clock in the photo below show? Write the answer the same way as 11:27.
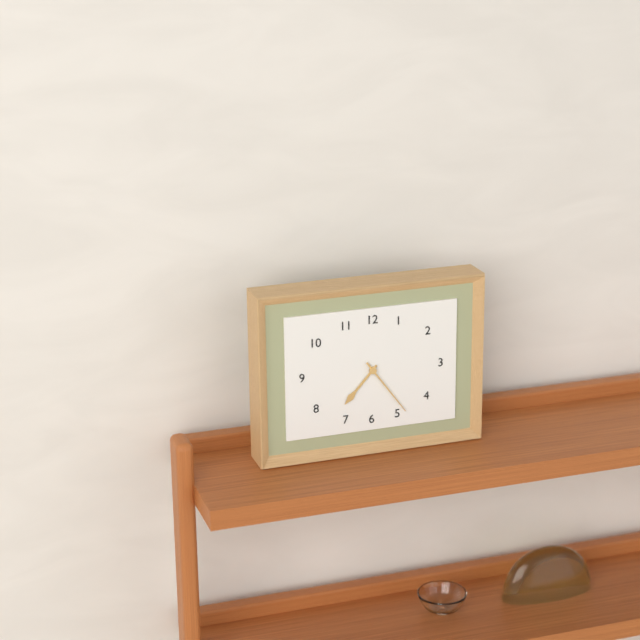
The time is 7:24
